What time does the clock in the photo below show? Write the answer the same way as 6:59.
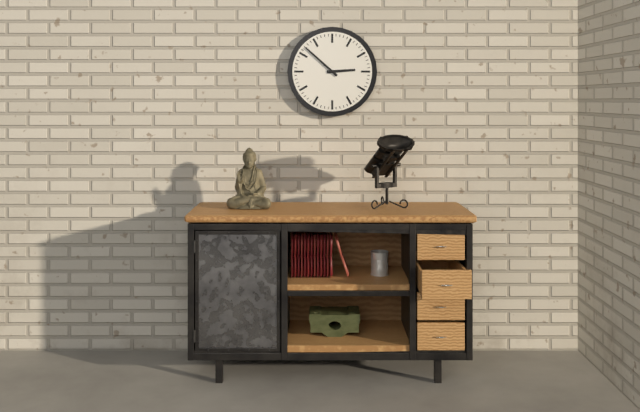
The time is 2:52
